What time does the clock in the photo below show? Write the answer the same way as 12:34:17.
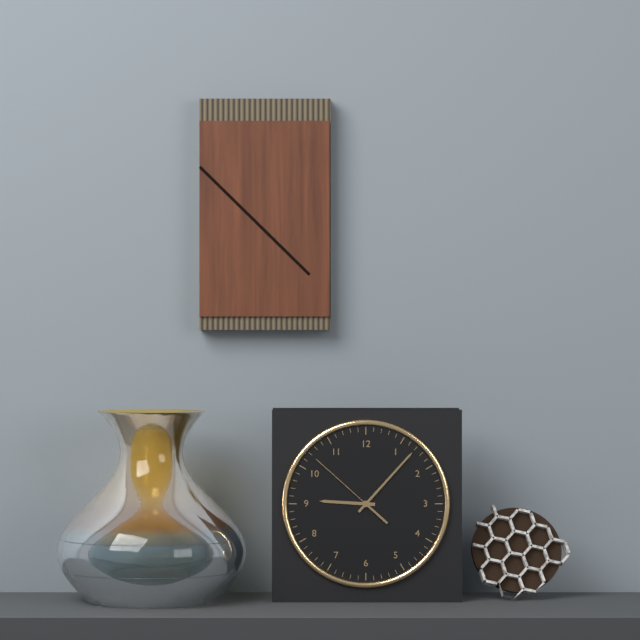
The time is 9:07:52
